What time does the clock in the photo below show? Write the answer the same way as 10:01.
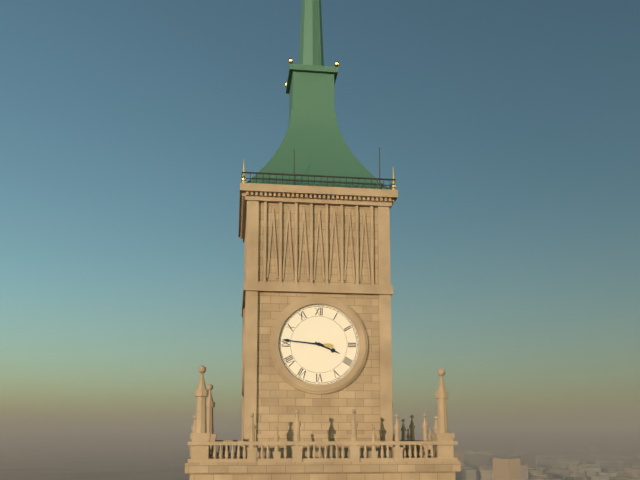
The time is 3:46
